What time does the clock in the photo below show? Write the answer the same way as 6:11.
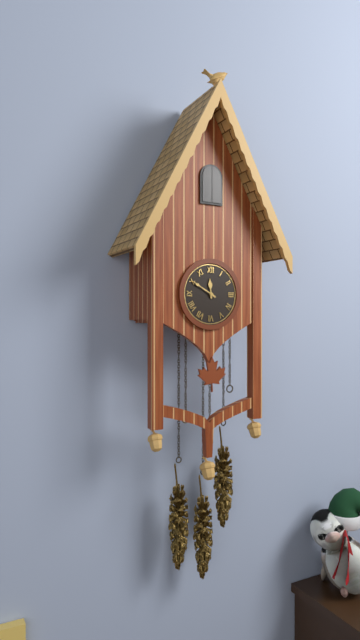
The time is 11:50
